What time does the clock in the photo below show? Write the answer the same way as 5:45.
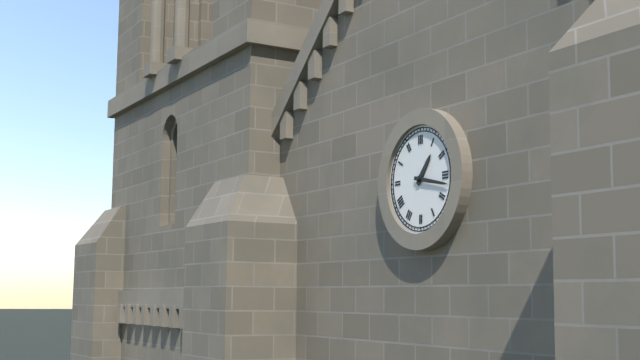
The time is 1:17
